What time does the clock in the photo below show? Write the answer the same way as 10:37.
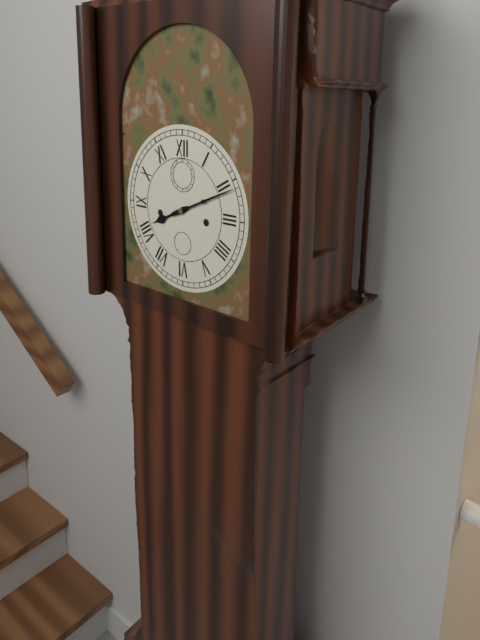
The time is 8:11
